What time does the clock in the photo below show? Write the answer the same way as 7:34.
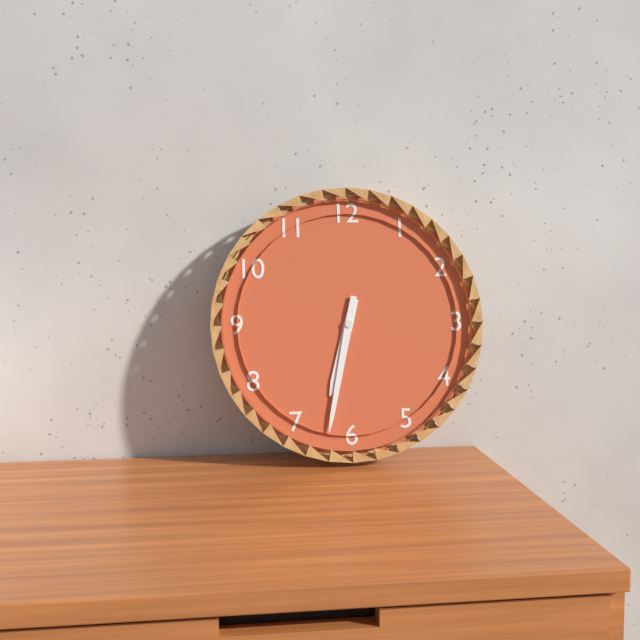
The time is 6:32
